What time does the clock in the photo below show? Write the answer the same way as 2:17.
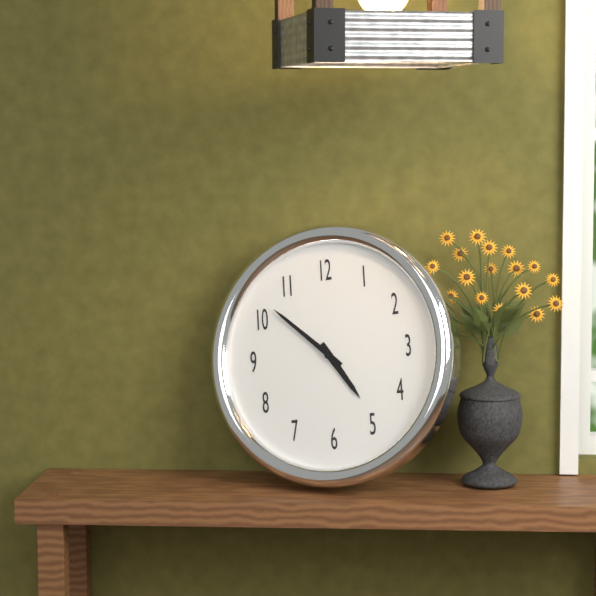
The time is 4:52
